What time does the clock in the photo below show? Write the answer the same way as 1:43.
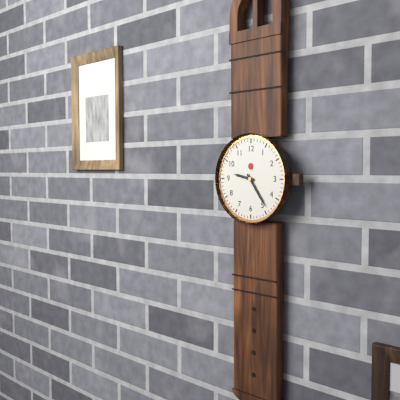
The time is 9:24
